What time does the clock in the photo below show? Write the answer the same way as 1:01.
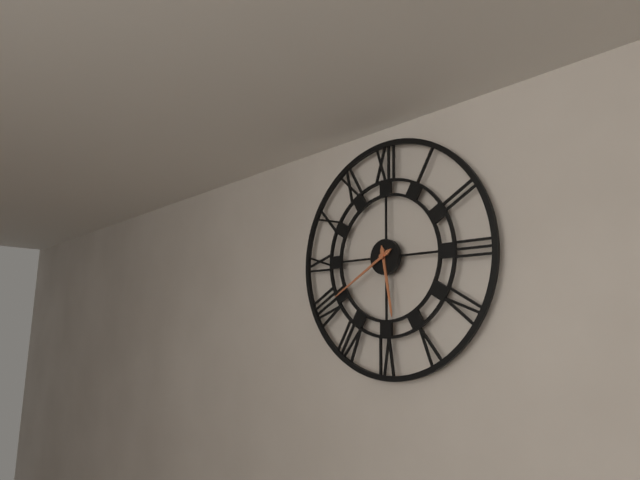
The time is 5:40
